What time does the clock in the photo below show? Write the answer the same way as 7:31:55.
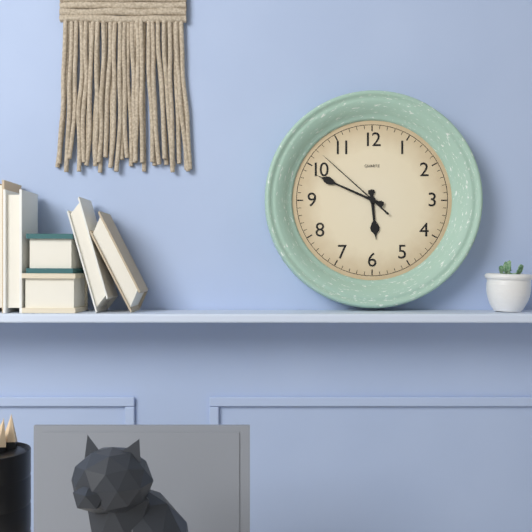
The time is 5:49:52
